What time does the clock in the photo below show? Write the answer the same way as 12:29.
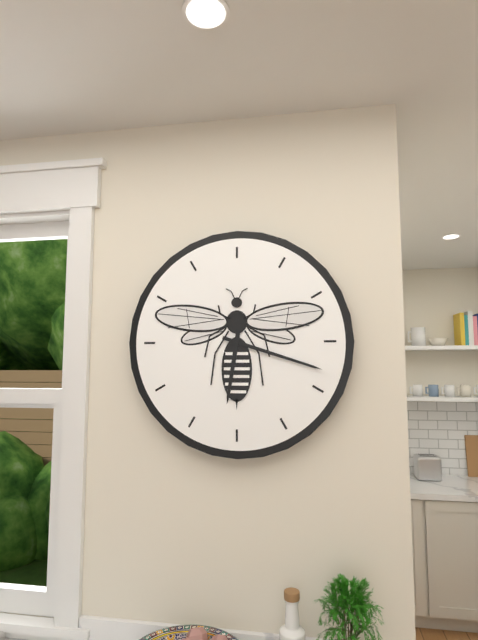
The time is 6:18
